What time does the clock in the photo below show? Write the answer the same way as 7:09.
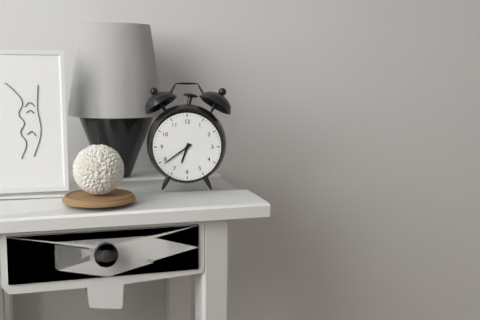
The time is 6:39
